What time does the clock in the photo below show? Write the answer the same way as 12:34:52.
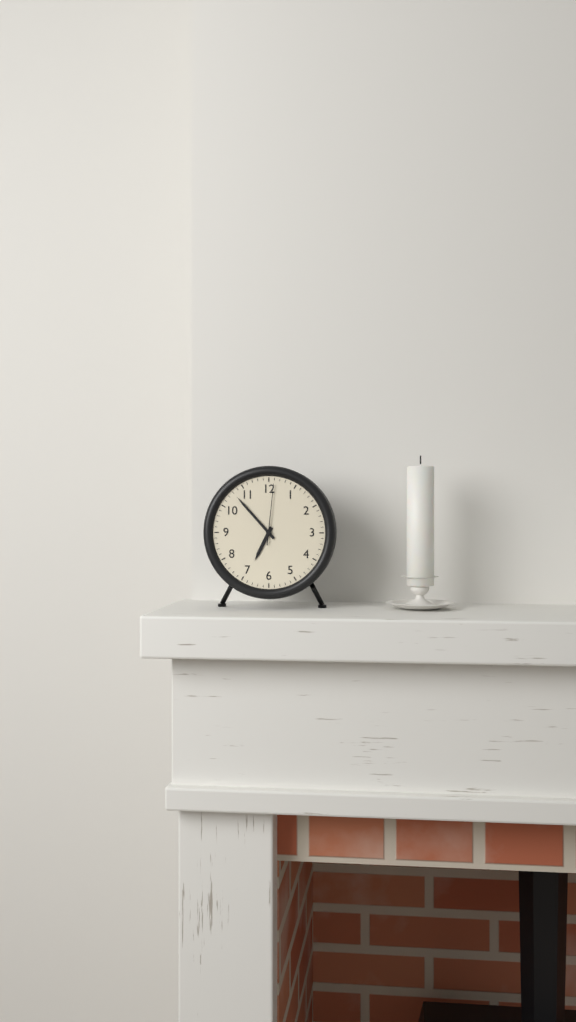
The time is 6:53:01
